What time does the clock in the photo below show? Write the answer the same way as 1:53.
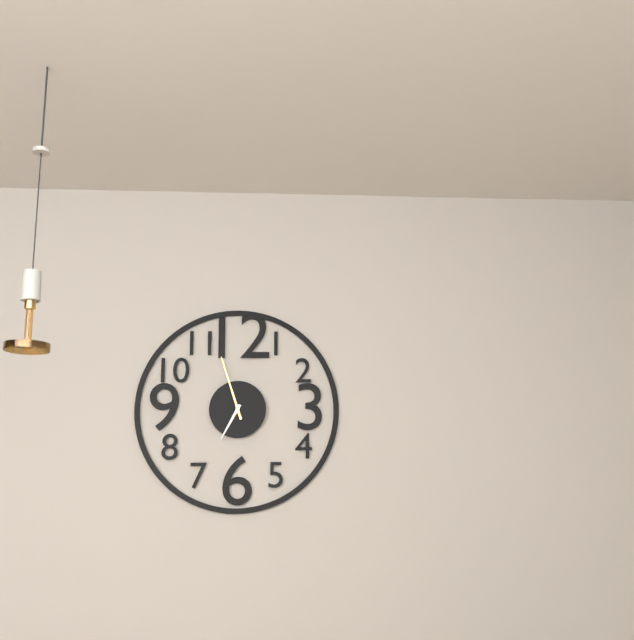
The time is 6:57
